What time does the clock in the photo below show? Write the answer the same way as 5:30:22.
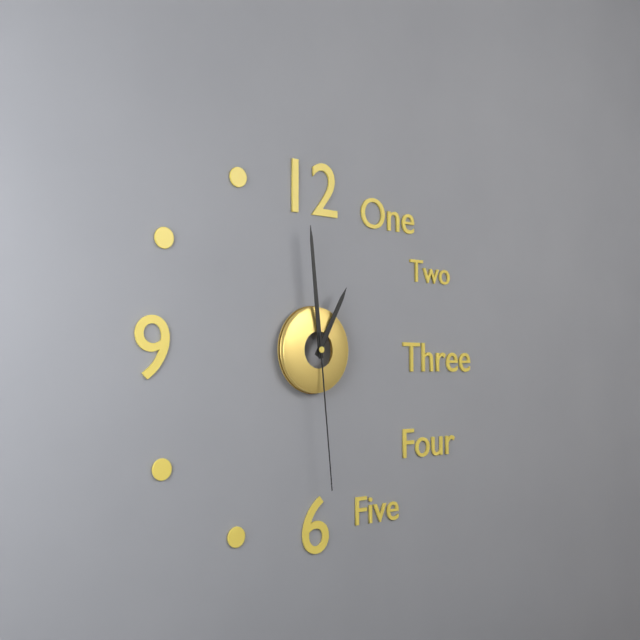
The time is 12:59:29
